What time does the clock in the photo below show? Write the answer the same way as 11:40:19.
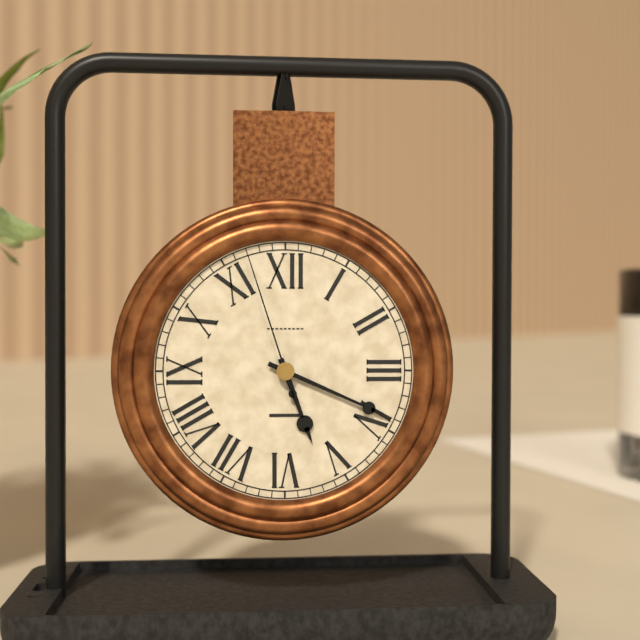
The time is 5:19:57
